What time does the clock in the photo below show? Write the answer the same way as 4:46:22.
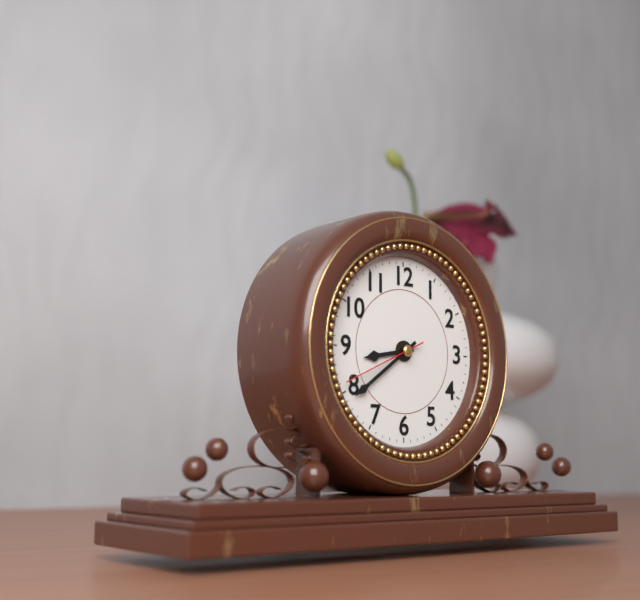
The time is 8:39:41
